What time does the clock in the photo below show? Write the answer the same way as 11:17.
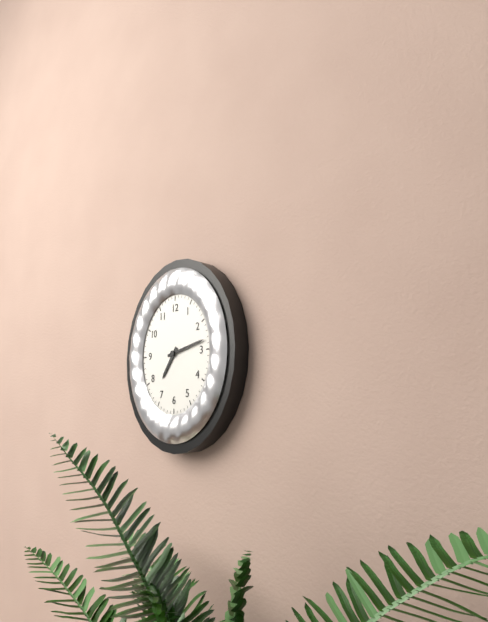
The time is 7:13
